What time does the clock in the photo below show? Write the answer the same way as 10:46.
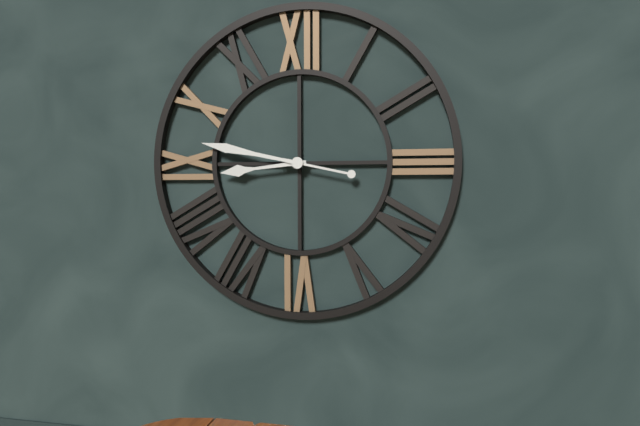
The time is 8:47
